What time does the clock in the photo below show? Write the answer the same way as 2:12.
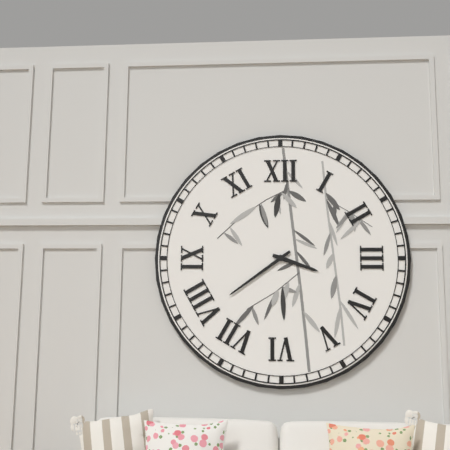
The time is 3:39
